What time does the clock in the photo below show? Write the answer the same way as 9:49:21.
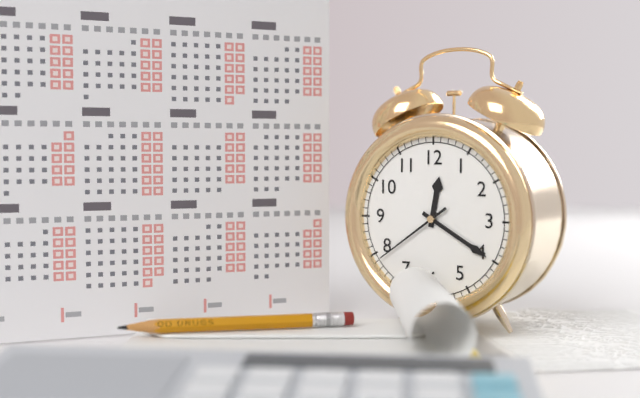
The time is 12:20:39
